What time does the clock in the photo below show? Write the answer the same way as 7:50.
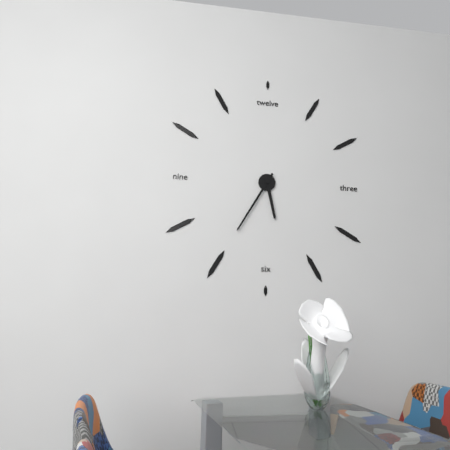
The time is 5:35
